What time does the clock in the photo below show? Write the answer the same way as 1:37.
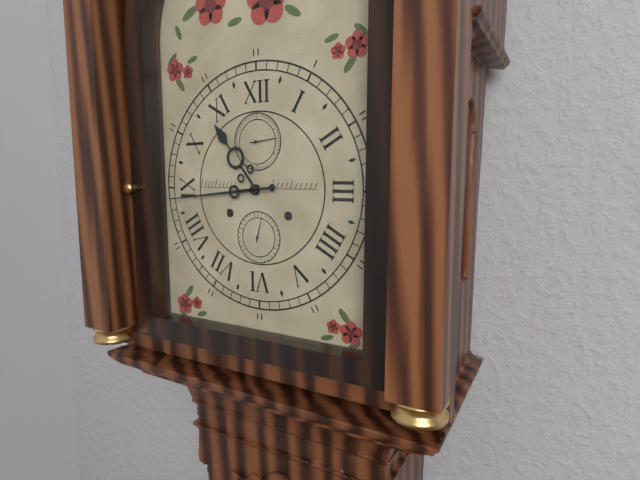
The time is 10:44
